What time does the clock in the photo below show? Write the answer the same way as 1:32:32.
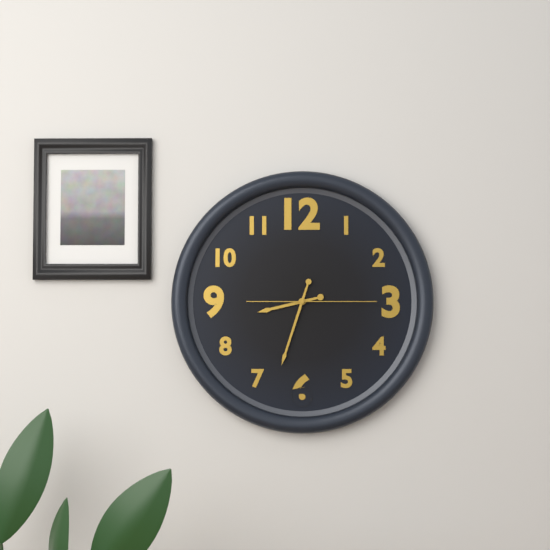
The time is 8:33:15
